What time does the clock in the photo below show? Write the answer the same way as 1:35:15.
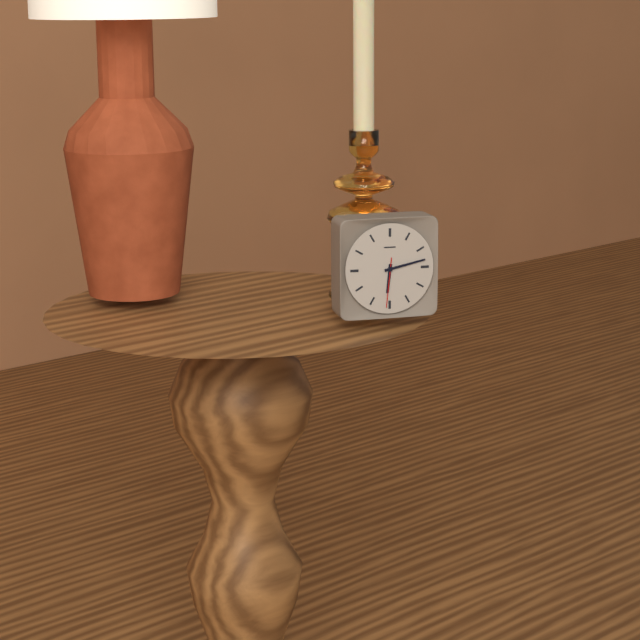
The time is 6:13:31
